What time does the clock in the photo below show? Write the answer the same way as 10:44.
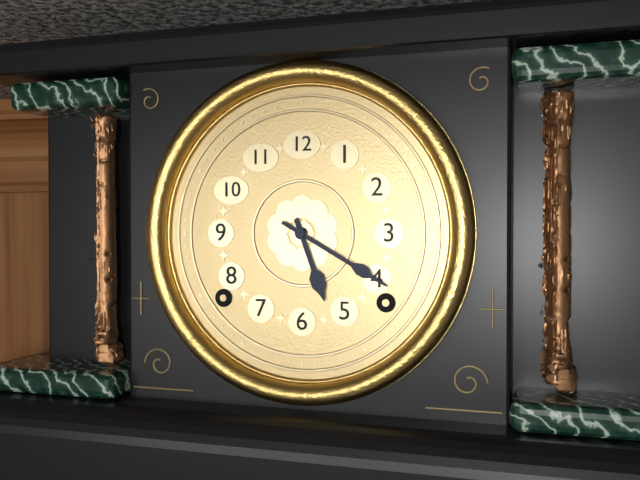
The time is 5:20
